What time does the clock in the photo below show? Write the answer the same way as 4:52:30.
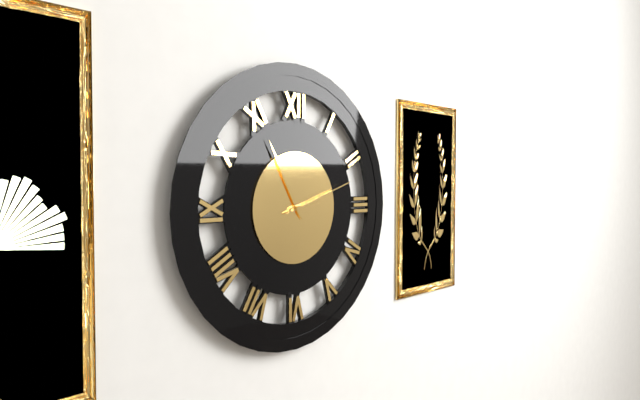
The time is 2:55:12
